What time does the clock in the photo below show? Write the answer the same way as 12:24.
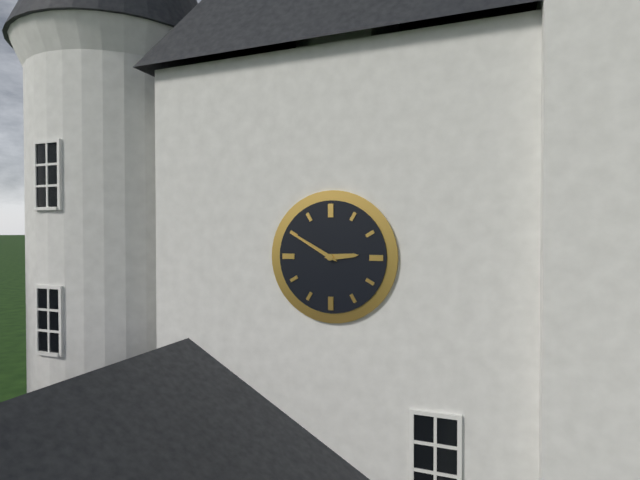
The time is 2:50
